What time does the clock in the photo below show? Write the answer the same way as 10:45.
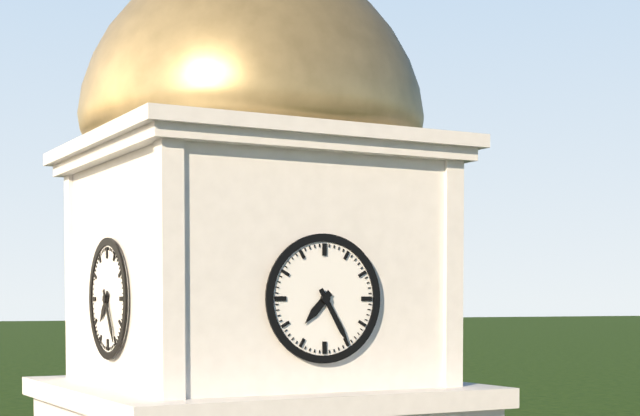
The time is 7:25
